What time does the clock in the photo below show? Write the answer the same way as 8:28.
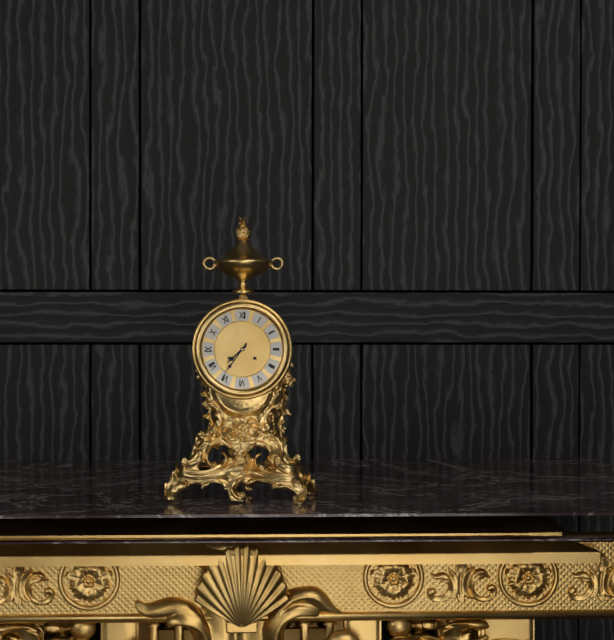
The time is 7:36
